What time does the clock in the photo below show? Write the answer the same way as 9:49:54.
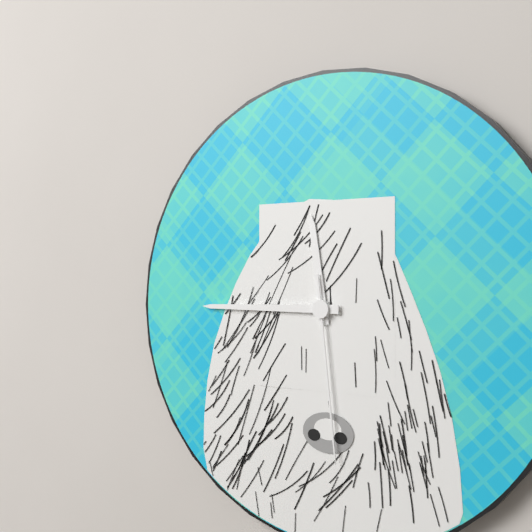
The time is 11:45:29
